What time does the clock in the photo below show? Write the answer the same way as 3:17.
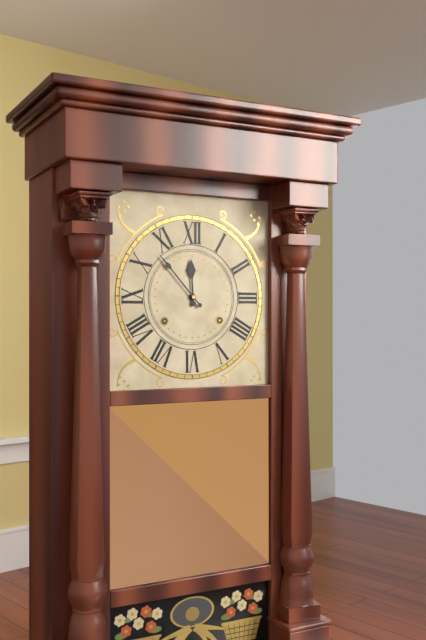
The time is 11:53
